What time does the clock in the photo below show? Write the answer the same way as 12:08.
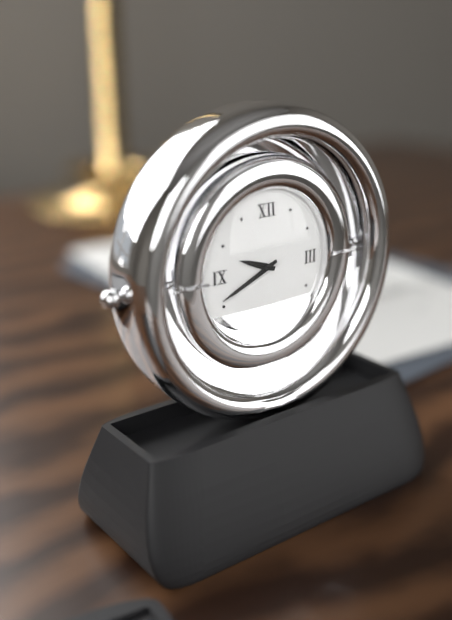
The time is 9:41
